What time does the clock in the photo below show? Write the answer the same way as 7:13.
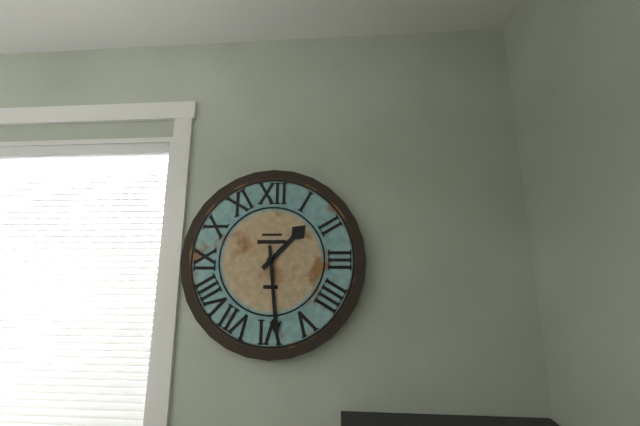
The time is 1:29
